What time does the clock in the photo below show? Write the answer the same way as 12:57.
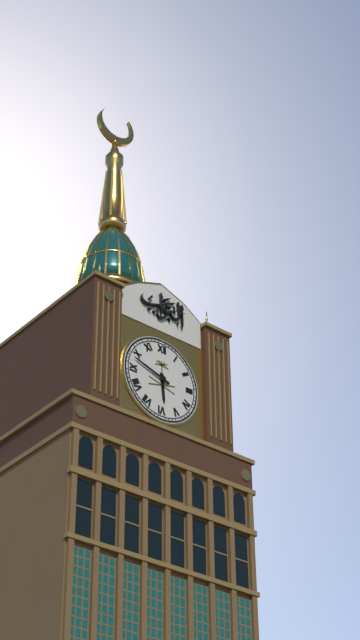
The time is 5:48
